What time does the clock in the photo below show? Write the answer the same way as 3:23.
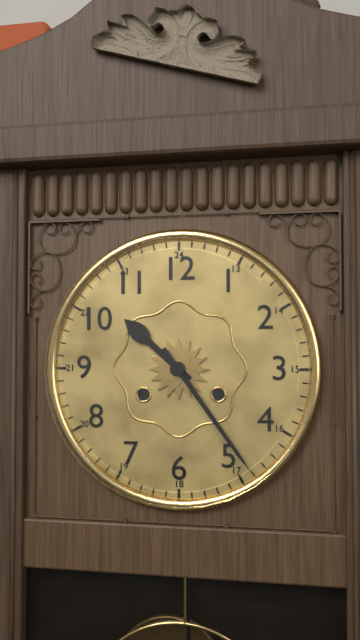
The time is 10:24
